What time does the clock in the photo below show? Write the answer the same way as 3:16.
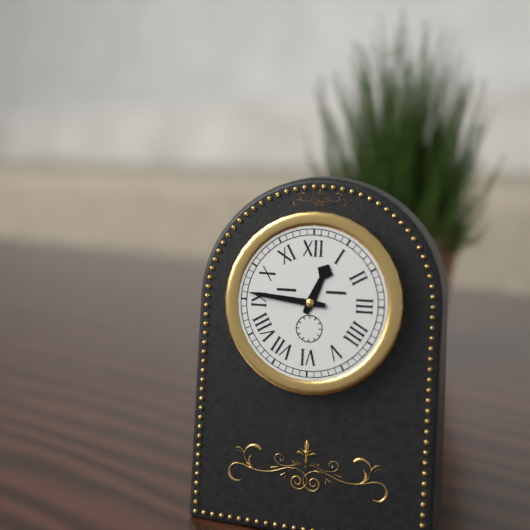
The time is 12:46
